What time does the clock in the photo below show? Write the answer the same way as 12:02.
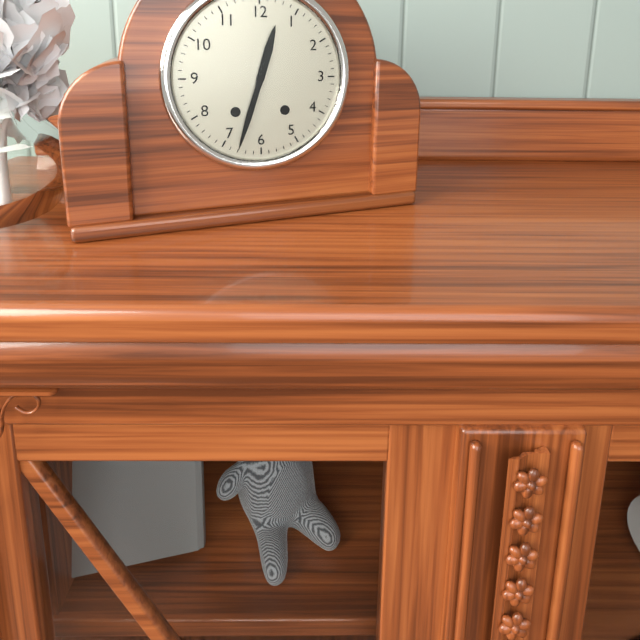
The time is 12:33
